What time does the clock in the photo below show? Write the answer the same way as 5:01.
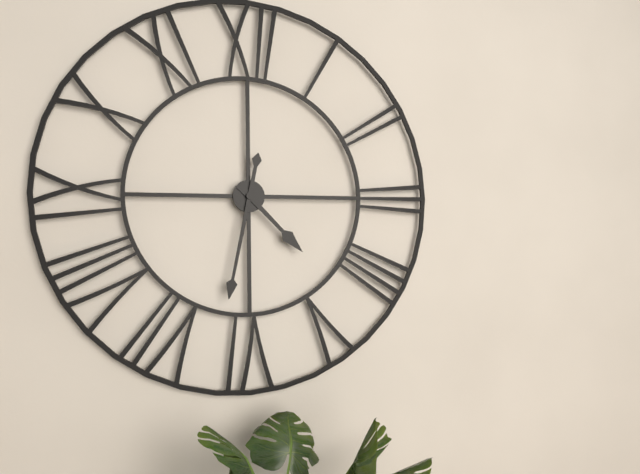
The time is 4:32
